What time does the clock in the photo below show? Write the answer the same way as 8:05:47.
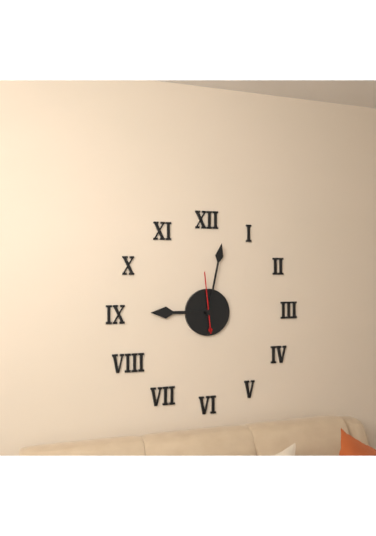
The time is 9:02:59
